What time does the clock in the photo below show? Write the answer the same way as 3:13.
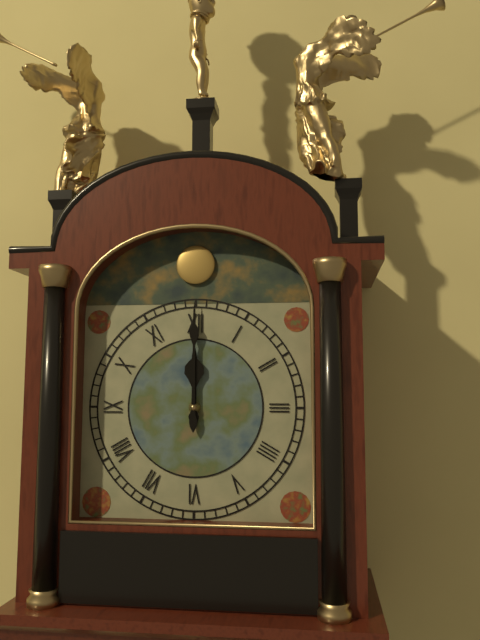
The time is 12:00
